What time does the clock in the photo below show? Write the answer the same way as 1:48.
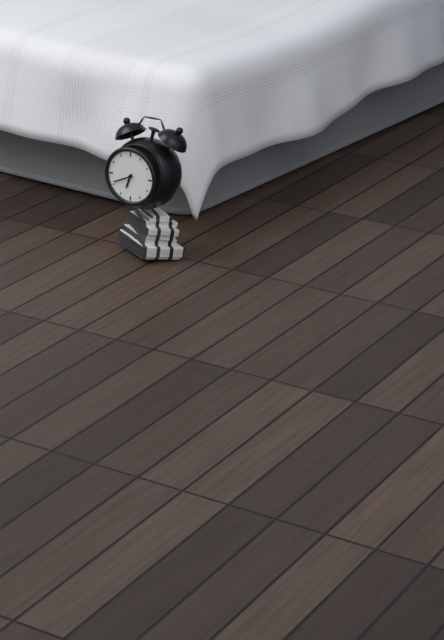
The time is 6:41
